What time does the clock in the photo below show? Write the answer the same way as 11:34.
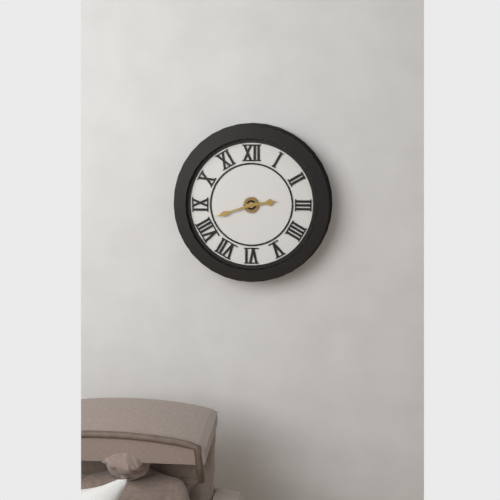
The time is 2:42
